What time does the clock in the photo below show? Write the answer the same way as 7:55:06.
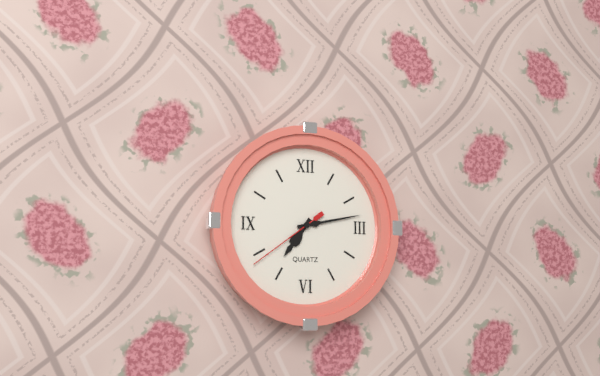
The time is 7:13:39
